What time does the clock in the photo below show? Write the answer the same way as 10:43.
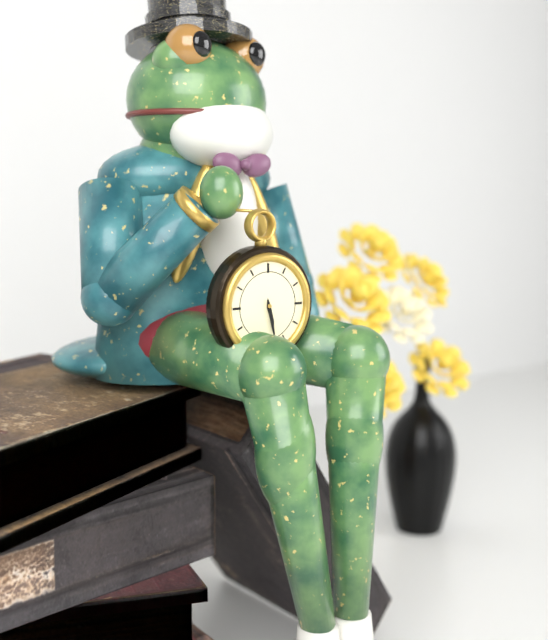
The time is 5:28
